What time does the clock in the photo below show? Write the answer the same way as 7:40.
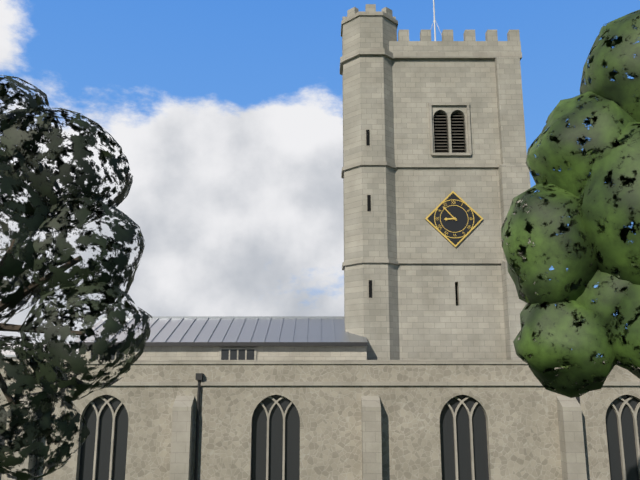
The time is 8:53
